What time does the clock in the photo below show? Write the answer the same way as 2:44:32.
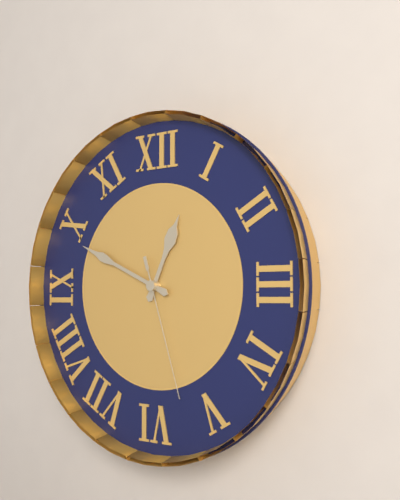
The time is 12:49:27
